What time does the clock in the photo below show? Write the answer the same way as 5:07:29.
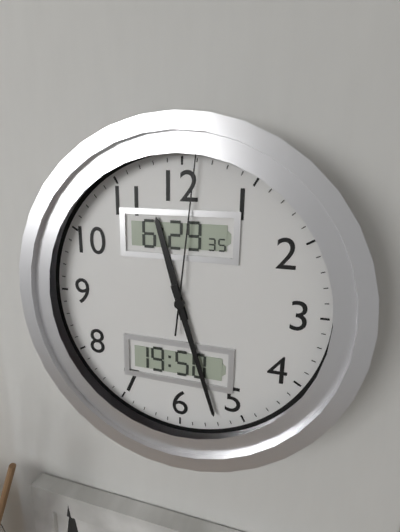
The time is 11:27:01
